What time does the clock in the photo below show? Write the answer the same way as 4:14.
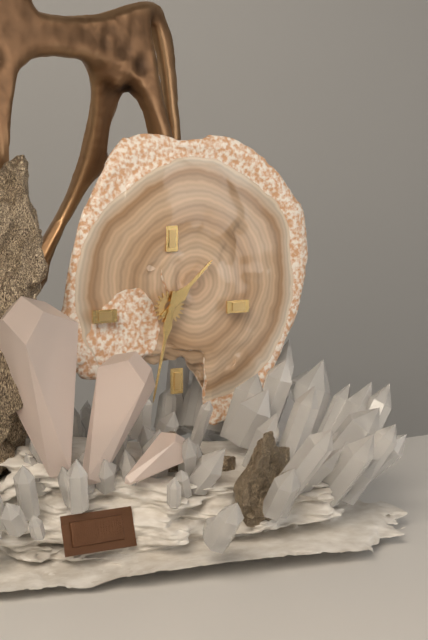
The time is 1:32
